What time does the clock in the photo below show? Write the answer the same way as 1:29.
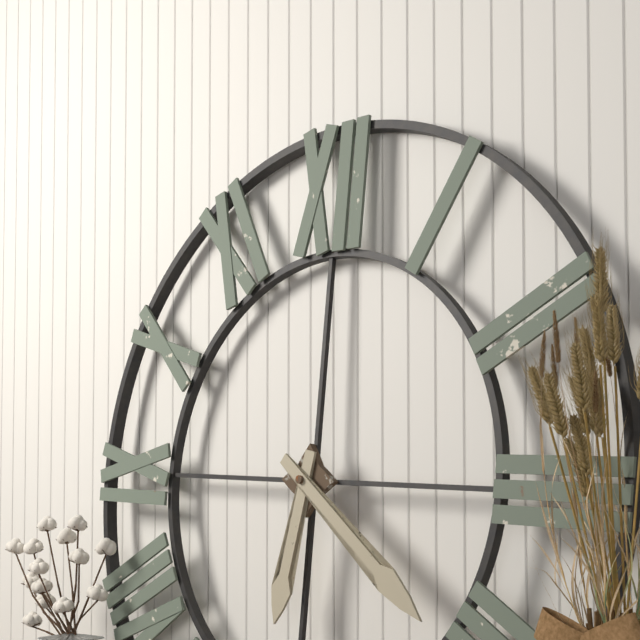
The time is 6:21
